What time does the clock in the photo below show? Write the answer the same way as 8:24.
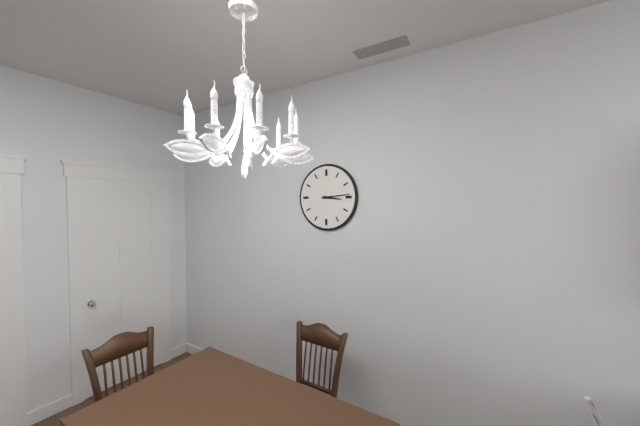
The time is 3:14
